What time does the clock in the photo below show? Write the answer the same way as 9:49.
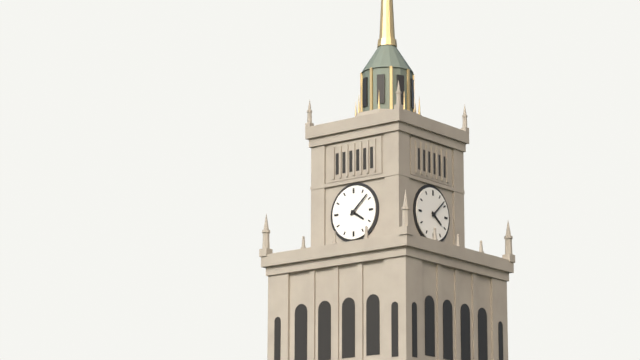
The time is 4:08
